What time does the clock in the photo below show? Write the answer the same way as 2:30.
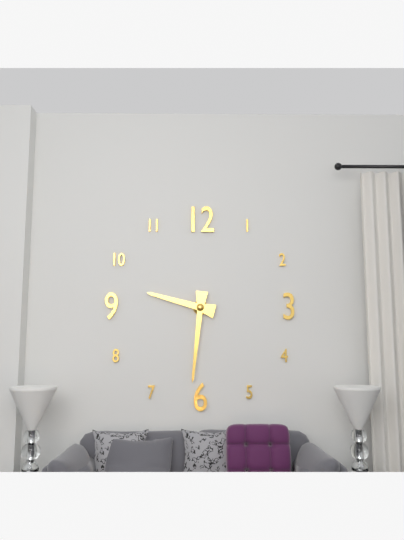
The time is 9:31
